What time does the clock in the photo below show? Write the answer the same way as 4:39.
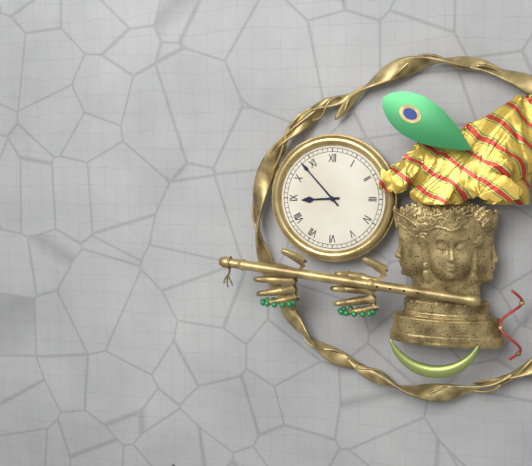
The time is 8:53
